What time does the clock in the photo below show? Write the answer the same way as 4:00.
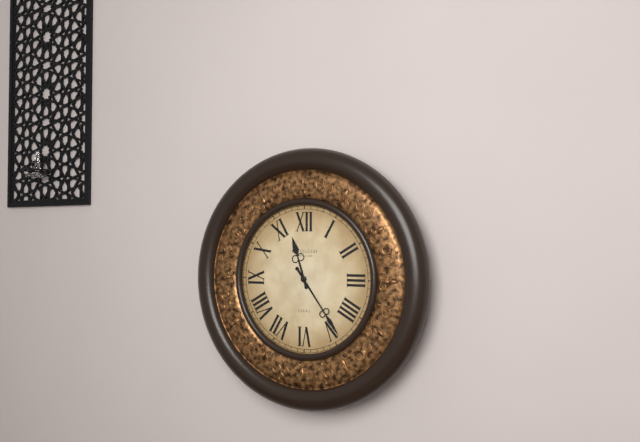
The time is 11:24
